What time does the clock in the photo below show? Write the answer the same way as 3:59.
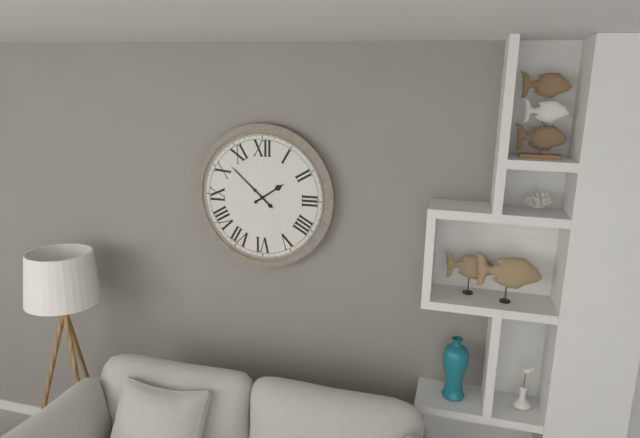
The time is 1:52
